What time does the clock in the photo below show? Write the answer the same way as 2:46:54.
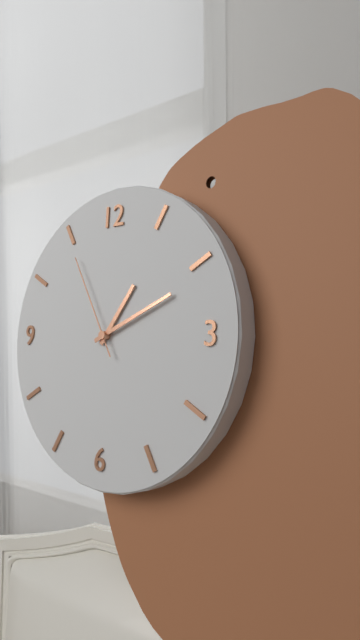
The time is 1:11:55
